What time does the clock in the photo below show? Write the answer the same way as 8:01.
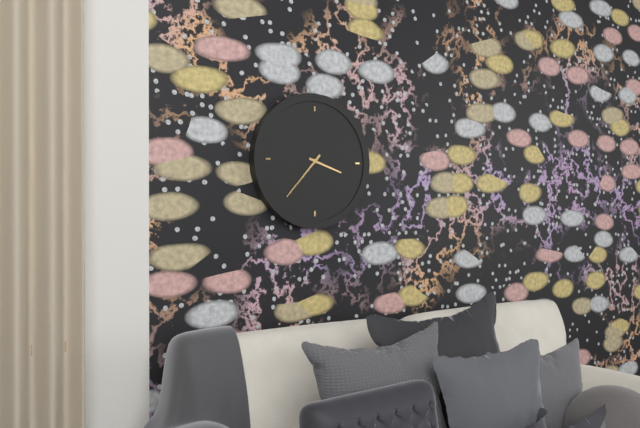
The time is 3:37
